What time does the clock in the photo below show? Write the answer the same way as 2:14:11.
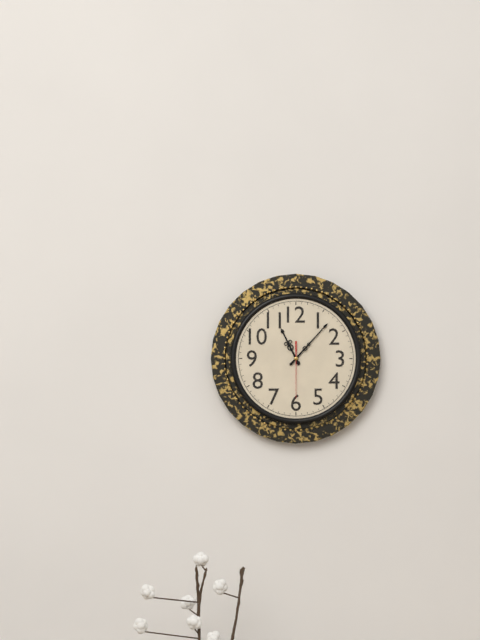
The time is 11:07:30
